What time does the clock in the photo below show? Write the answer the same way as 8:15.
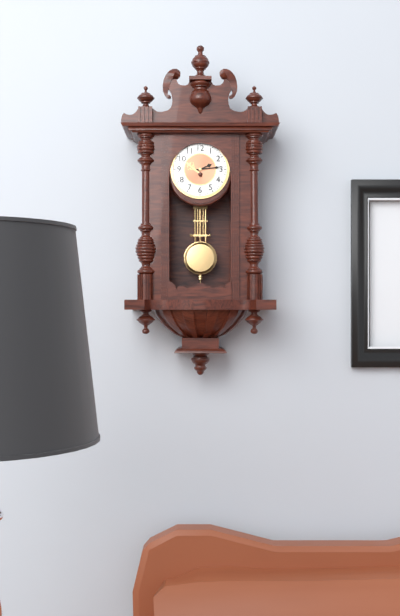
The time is 2:14
